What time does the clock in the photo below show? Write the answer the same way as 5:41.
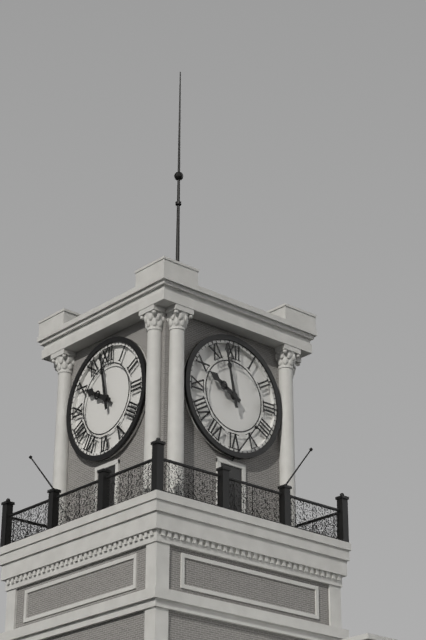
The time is 9:58
